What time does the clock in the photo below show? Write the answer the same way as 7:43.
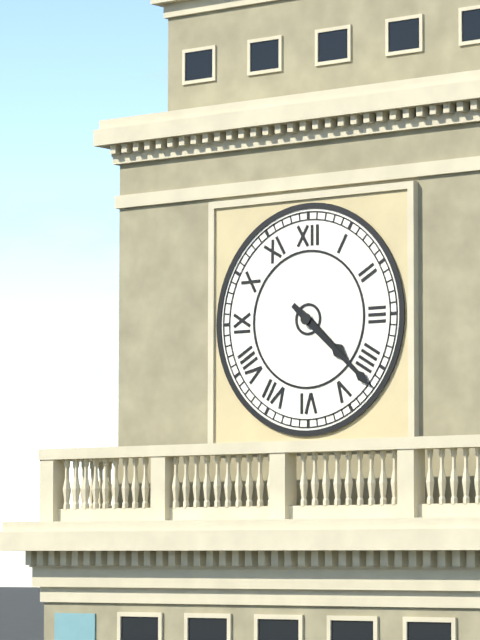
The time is 4:22
